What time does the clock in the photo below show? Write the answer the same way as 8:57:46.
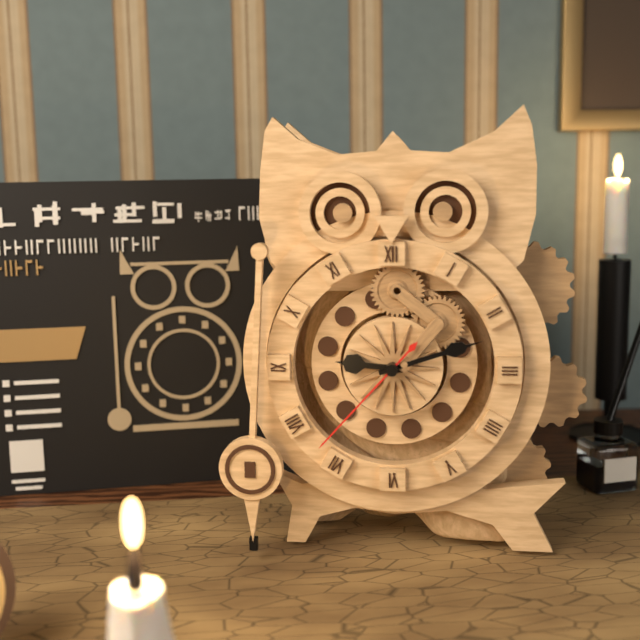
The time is 9:12:37
